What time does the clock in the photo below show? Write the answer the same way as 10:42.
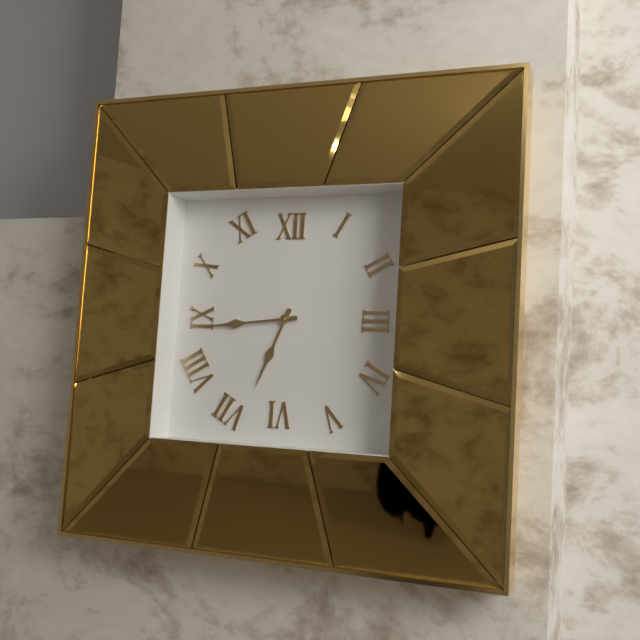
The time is 6:44
